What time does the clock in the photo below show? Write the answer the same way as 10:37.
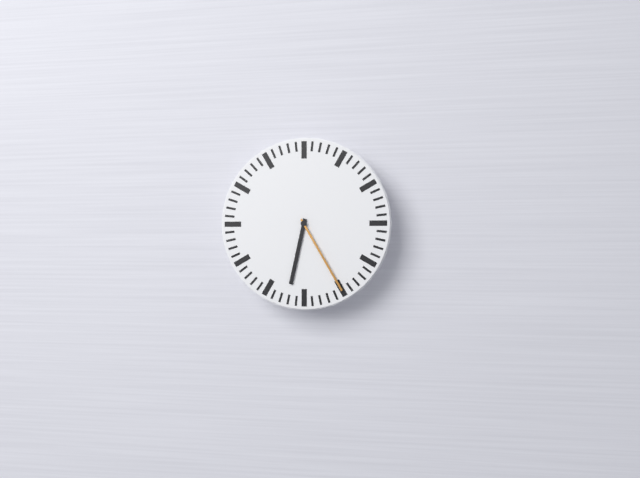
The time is 6:25
